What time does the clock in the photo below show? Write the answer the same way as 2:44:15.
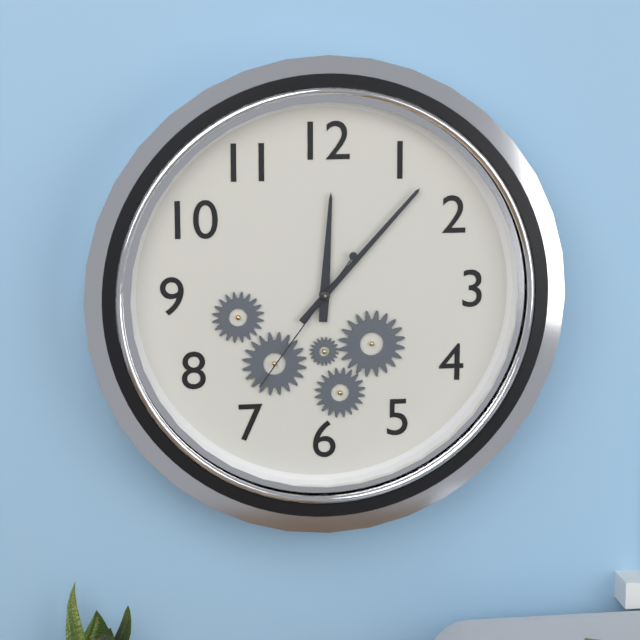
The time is 12:07:36
